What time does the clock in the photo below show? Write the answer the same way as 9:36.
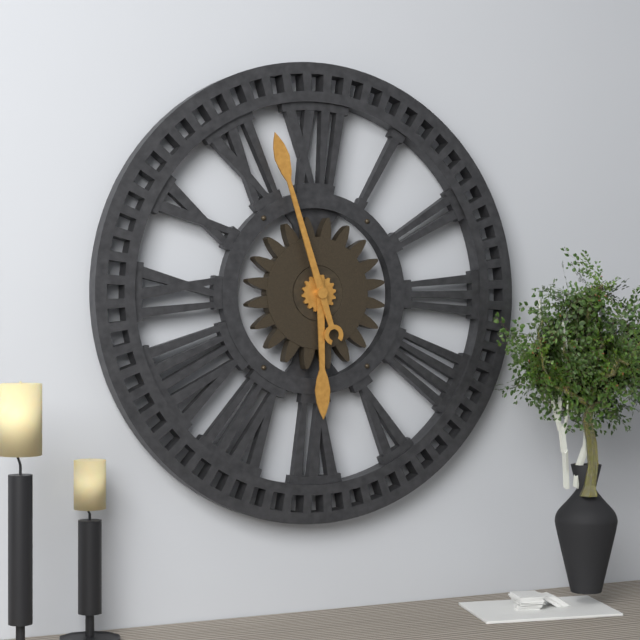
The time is 5:57
